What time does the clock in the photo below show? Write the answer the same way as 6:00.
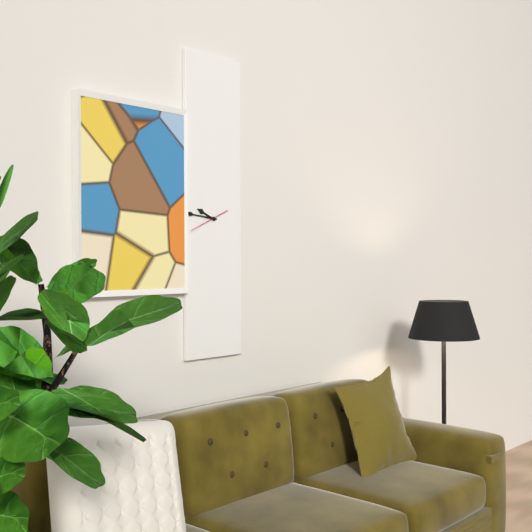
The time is 9:46
